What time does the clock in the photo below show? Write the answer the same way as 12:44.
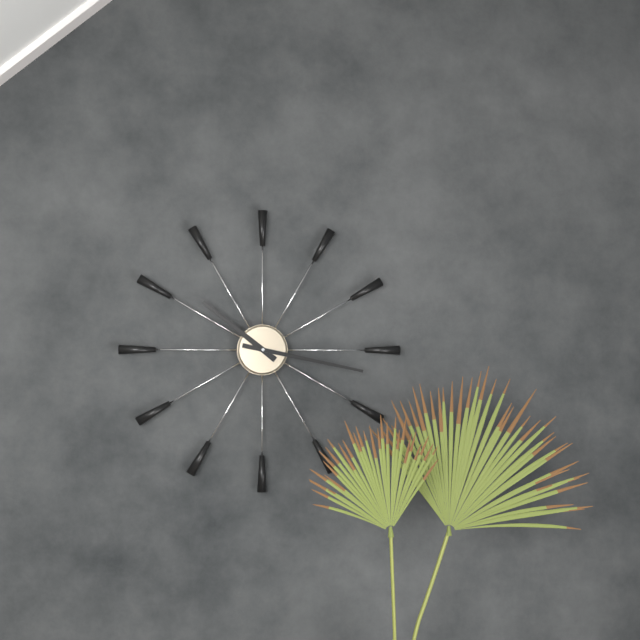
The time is 10:17
